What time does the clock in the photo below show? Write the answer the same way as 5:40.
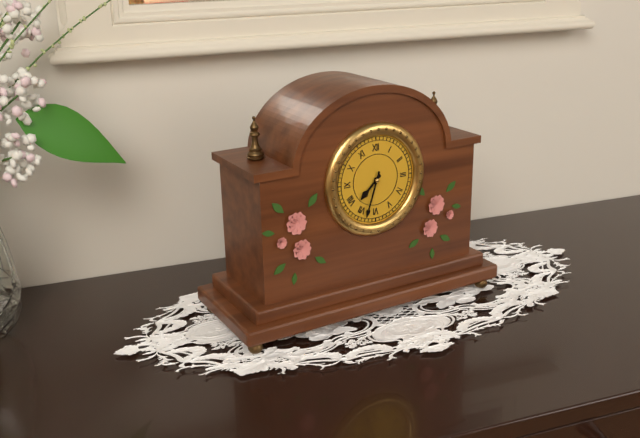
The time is 7:33
